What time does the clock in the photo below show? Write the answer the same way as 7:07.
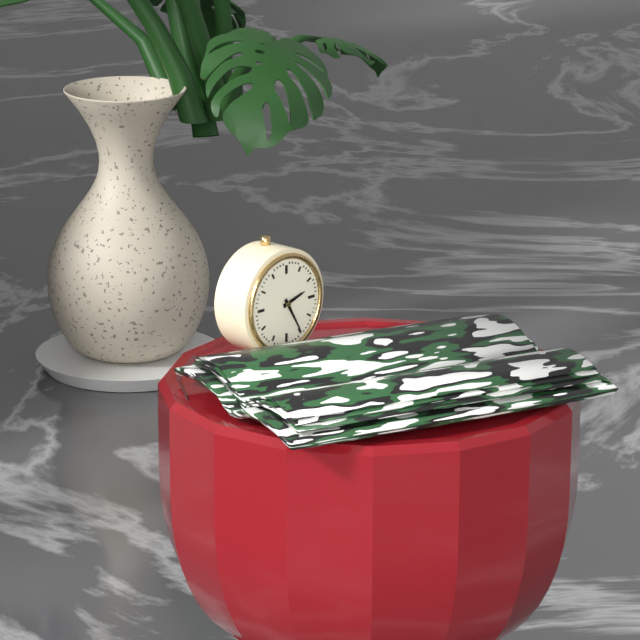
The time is 2:25
